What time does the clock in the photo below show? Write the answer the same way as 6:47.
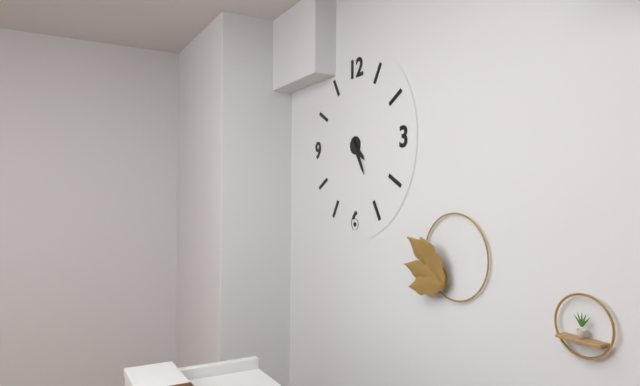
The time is 4:25
